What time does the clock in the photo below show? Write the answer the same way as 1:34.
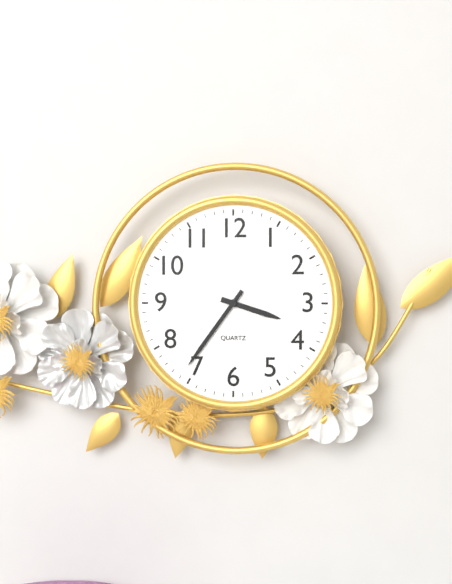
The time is 3:36
